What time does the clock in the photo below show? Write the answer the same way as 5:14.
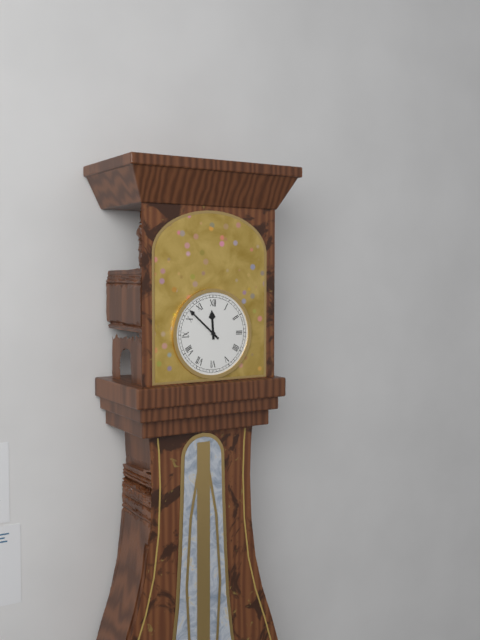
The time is 11:52
